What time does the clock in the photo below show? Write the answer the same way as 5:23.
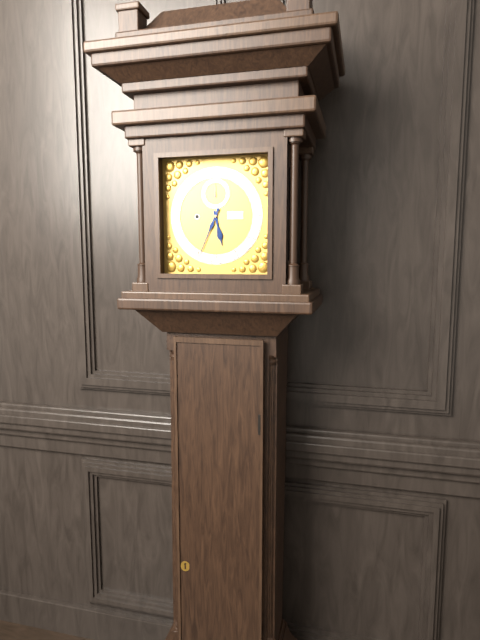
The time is 5:34
